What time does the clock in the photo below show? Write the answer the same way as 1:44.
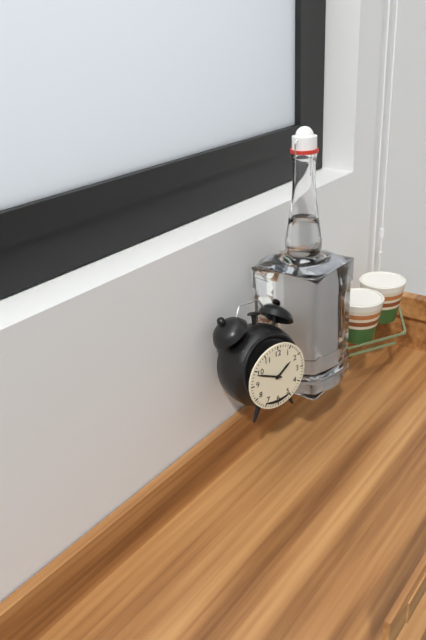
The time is 1:49
